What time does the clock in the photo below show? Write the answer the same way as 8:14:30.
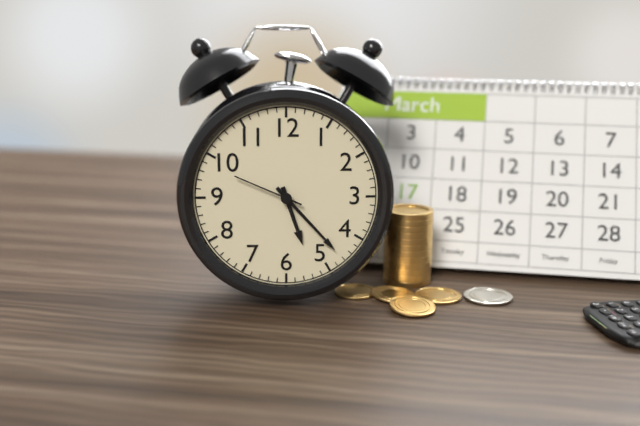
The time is 5:23:49
